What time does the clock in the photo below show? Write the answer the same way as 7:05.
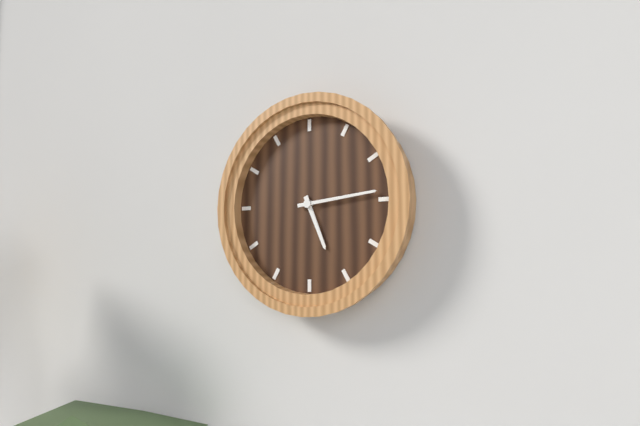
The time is 5:14
